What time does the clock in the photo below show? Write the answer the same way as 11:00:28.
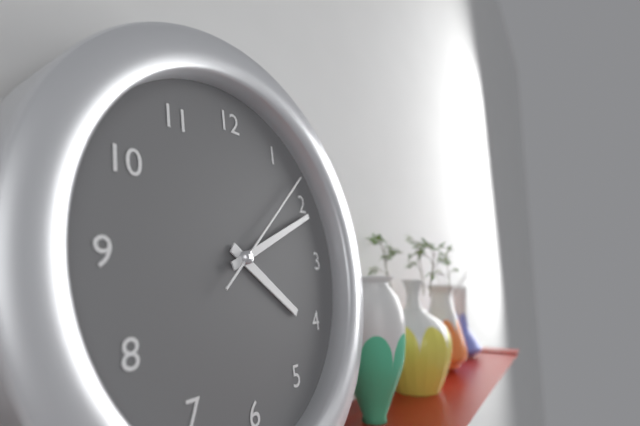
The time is 4:11:08
